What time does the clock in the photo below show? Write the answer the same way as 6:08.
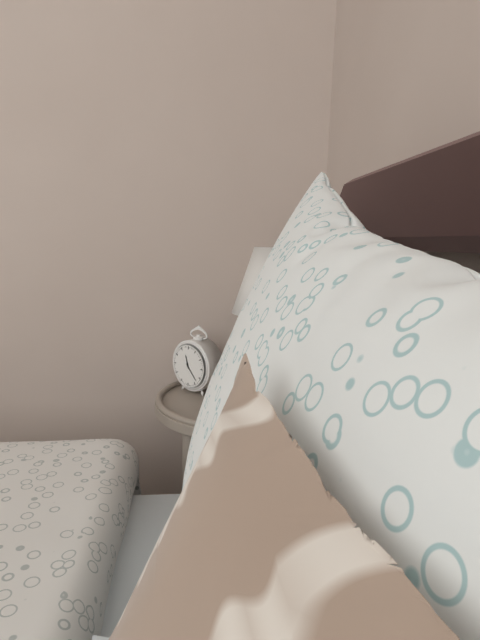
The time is 11:23
